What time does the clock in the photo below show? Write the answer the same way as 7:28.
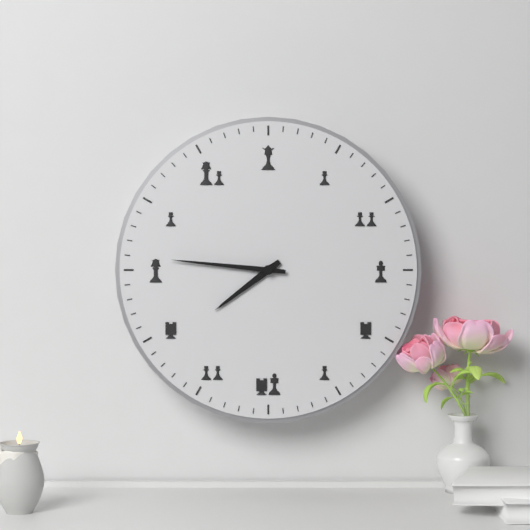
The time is 7:46
